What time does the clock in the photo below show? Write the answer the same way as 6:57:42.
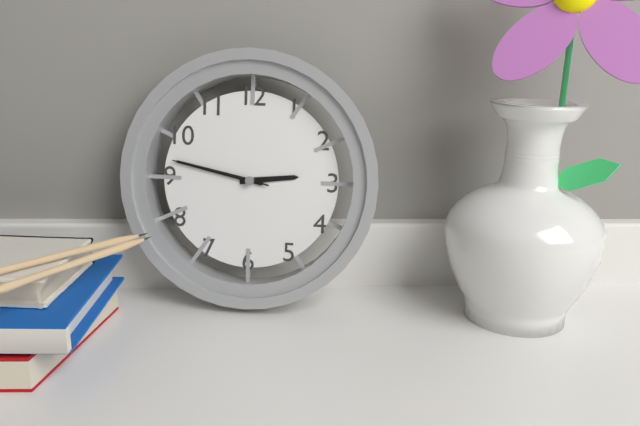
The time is 2:47:47
